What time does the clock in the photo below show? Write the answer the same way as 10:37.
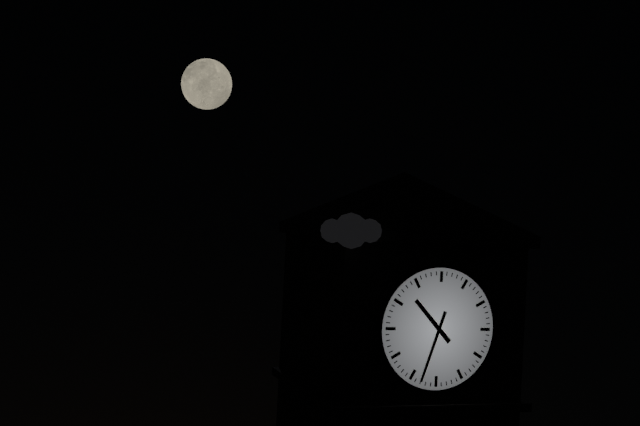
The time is 10:33
